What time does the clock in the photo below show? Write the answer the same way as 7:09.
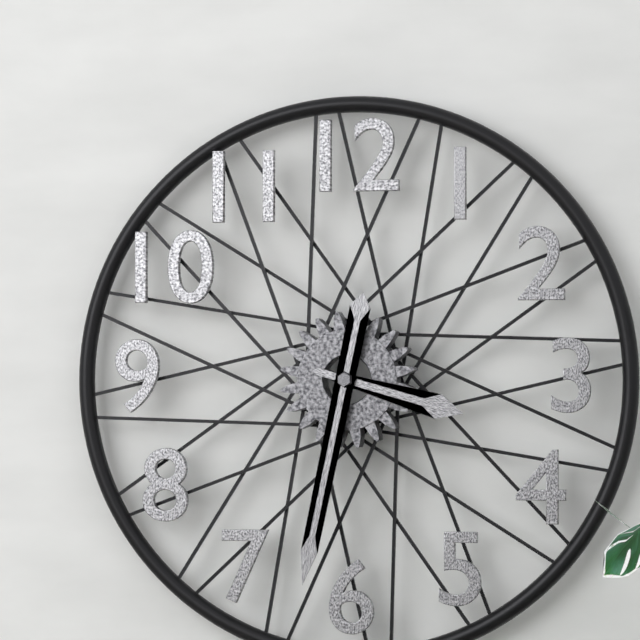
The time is 3:32
